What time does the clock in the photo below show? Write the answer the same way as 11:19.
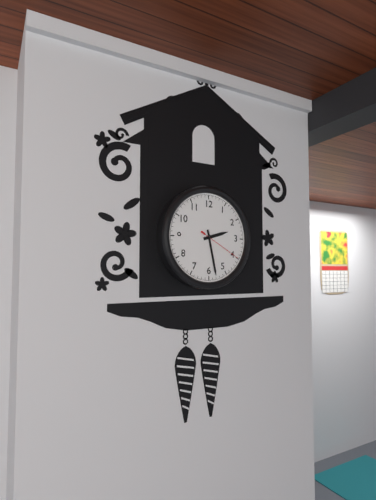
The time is 2:28
